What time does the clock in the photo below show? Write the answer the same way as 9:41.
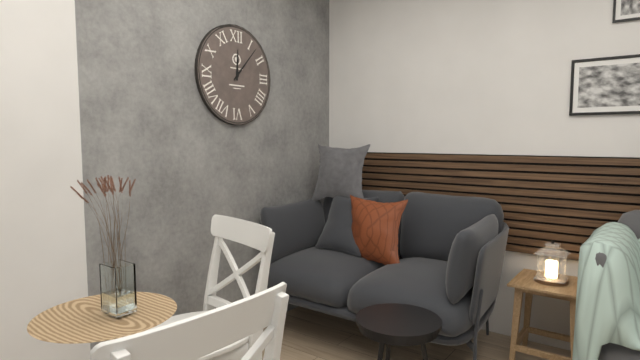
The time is 12:07
